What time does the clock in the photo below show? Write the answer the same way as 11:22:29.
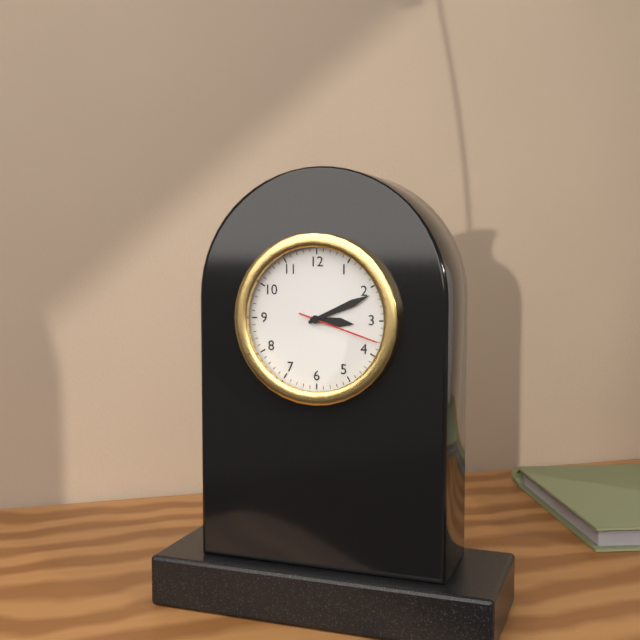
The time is 3:11:18
